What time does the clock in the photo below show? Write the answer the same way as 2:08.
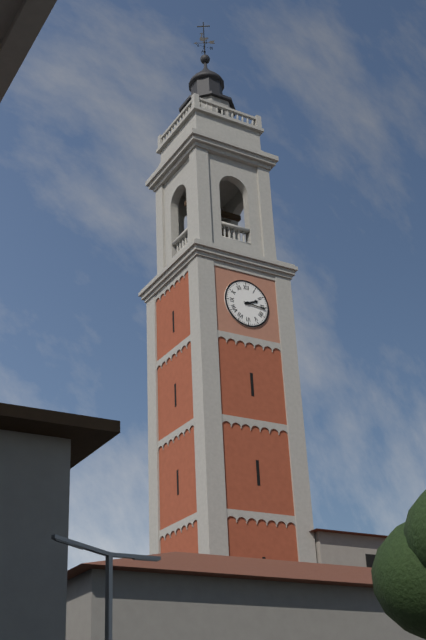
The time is 2:16
